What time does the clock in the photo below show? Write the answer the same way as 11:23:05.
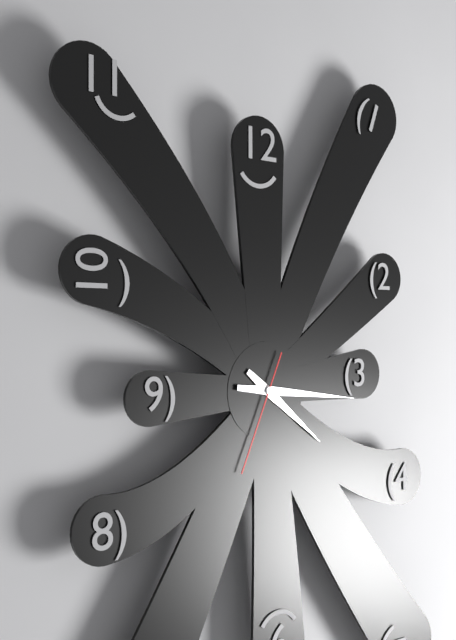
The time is 4:16:34
